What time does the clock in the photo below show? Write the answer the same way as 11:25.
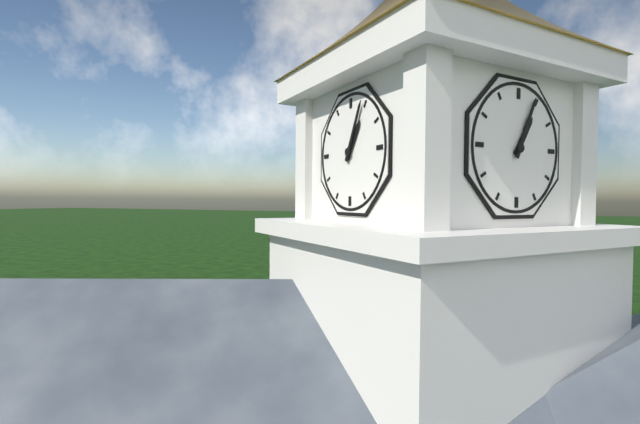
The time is 1:04
